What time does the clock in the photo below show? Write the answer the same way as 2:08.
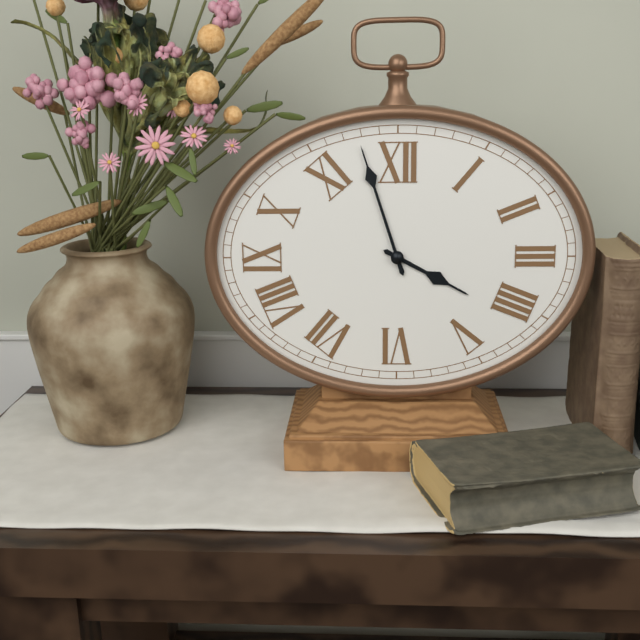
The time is 3:57
